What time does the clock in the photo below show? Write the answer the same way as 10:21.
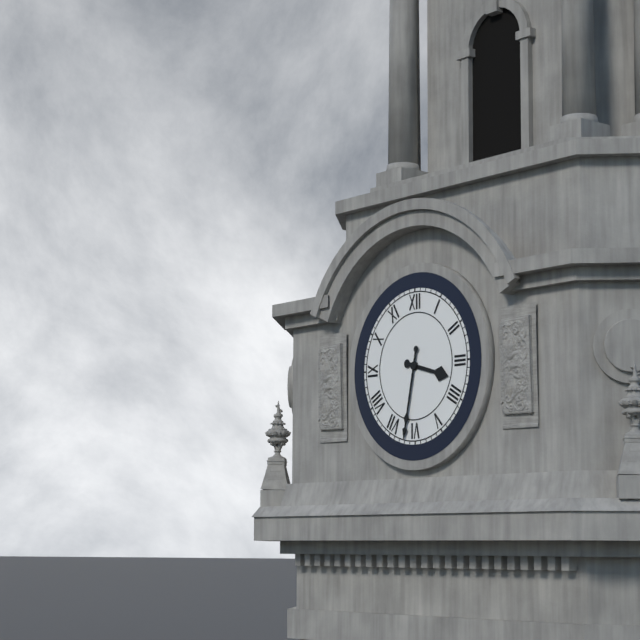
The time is 3:32
